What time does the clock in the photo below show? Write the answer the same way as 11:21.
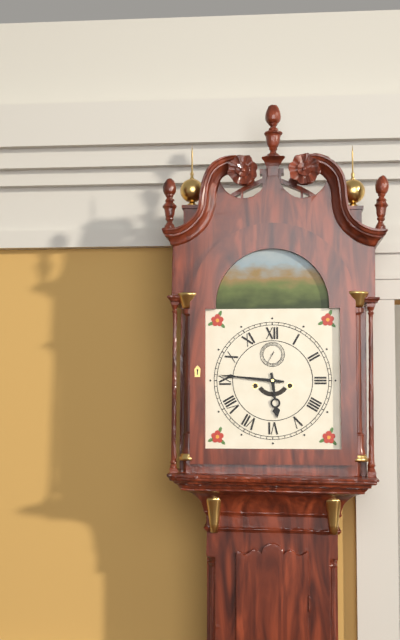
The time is 5:46
